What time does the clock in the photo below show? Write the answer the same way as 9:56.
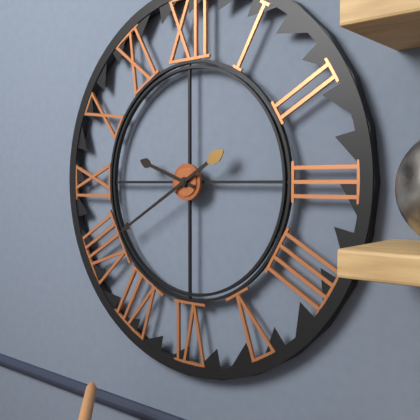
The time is 9:40
